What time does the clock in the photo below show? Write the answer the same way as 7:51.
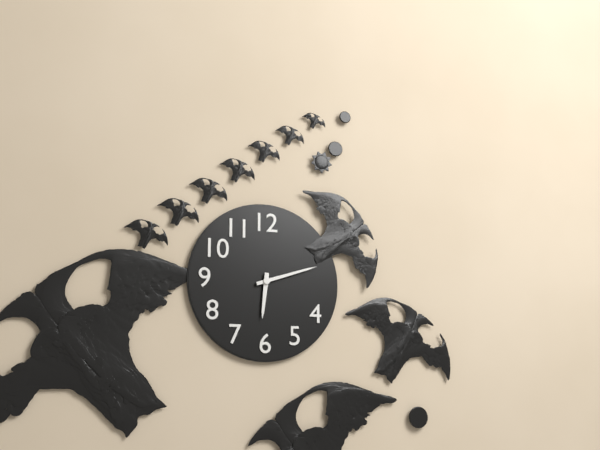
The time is 6:12
